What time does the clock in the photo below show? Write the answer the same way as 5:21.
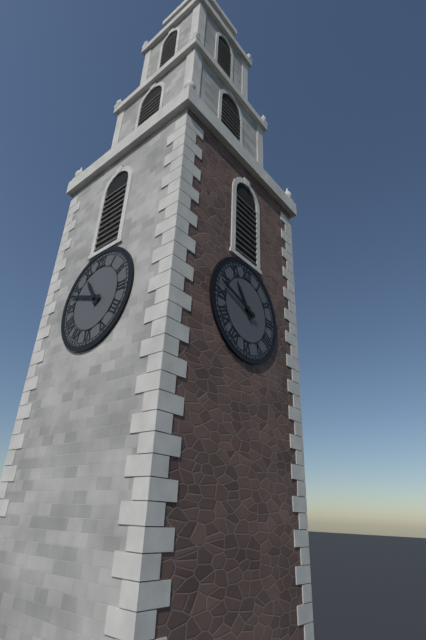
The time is 10:48
